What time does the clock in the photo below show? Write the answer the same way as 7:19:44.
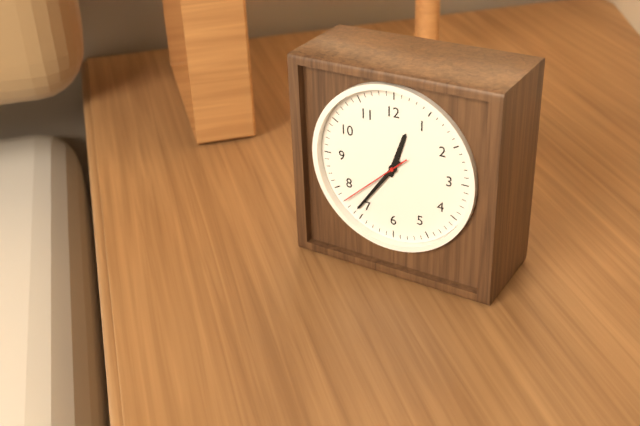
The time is 12:36:38
